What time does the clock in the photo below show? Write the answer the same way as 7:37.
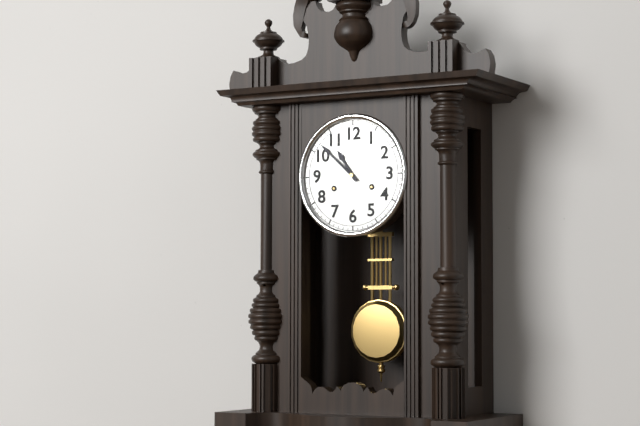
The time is 10:52
